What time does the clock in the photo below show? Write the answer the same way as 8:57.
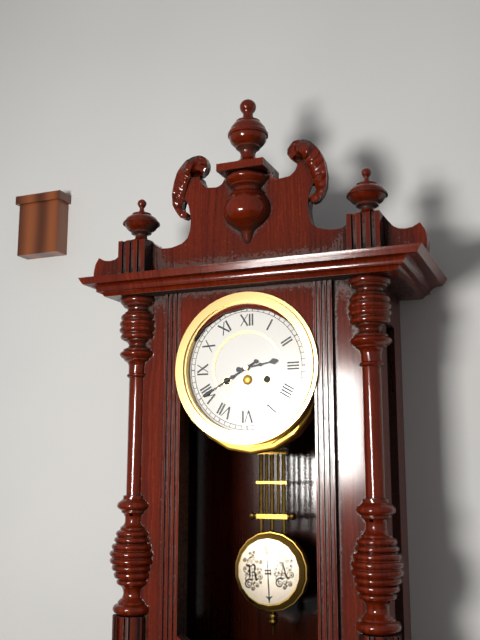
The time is 2:40
